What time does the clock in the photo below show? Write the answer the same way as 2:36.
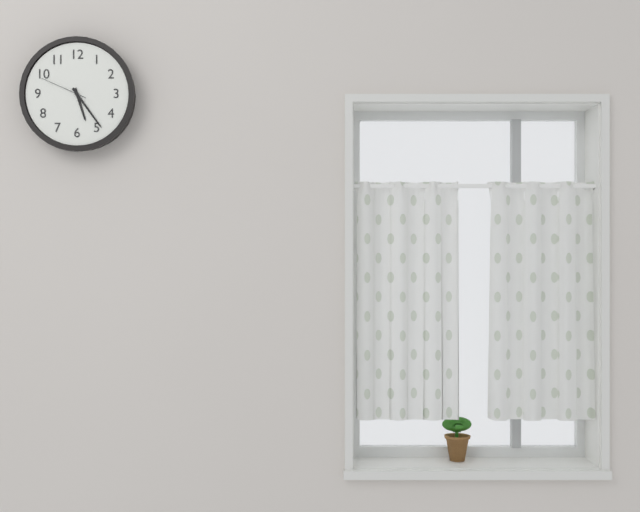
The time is 5:24
